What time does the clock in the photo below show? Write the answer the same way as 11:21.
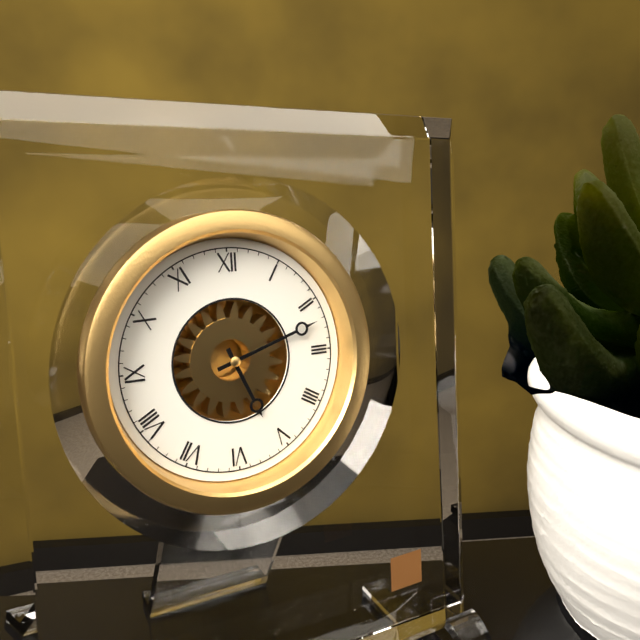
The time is 5:12
